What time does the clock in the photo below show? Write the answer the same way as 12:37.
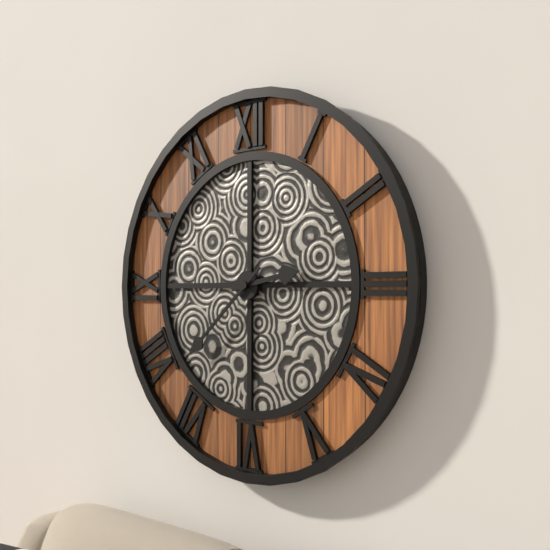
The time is 2:38
